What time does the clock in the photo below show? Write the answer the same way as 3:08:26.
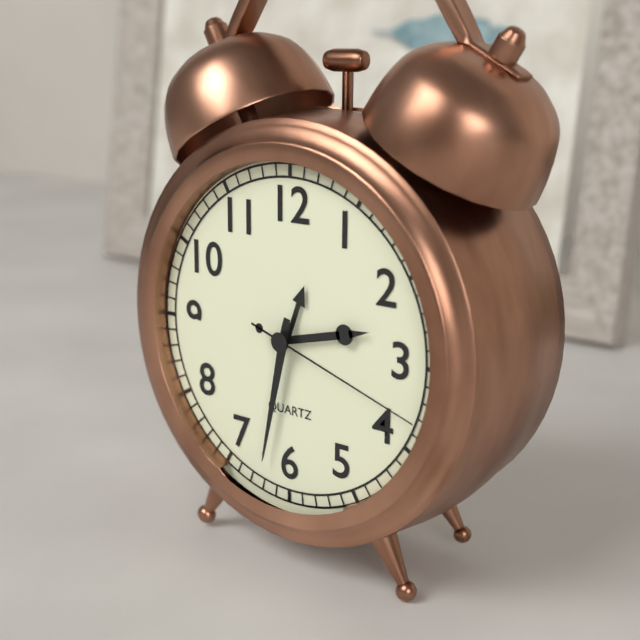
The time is 2:32:18
